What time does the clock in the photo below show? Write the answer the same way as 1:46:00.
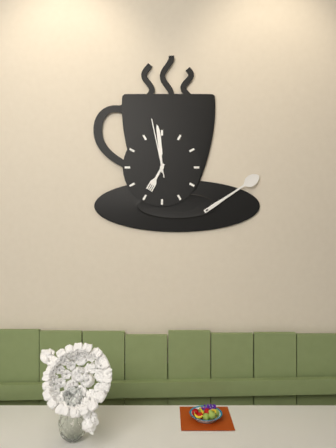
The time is 6:59:58
